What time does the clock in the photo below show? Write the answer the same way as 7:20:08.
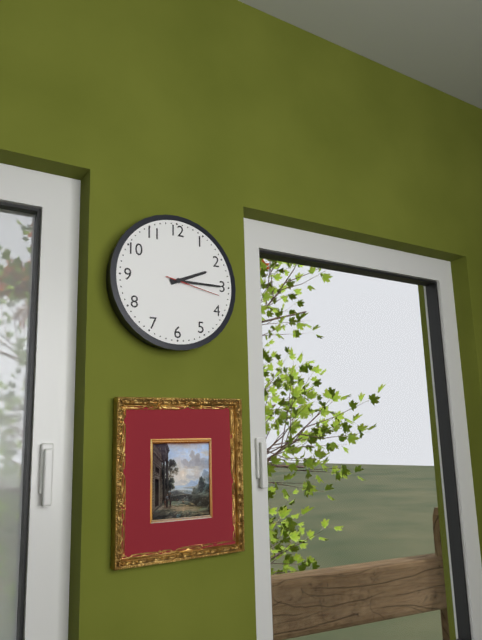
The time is 2:15:17
